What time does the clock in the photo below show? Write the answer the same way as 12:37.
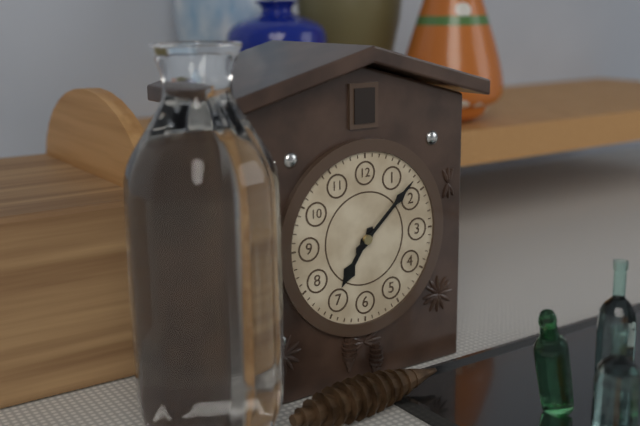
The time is 7:08
